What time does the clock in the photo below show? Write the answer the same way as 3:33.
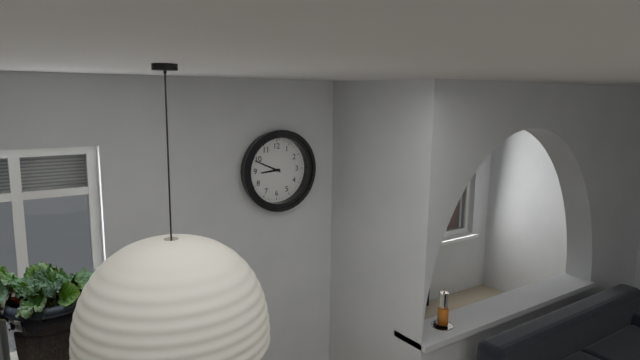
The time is 8:49
